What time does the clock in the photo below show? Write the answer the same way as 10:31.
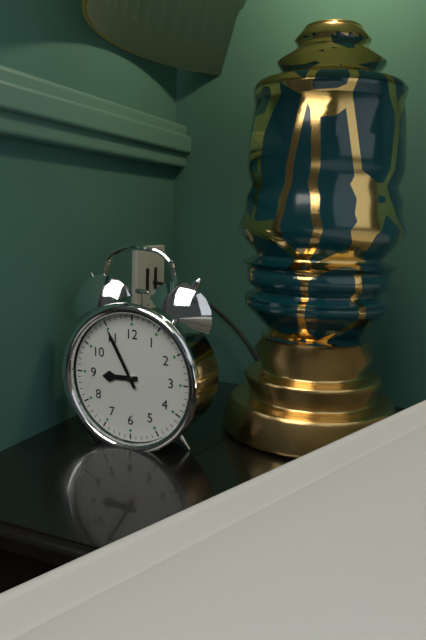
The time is 8:55
